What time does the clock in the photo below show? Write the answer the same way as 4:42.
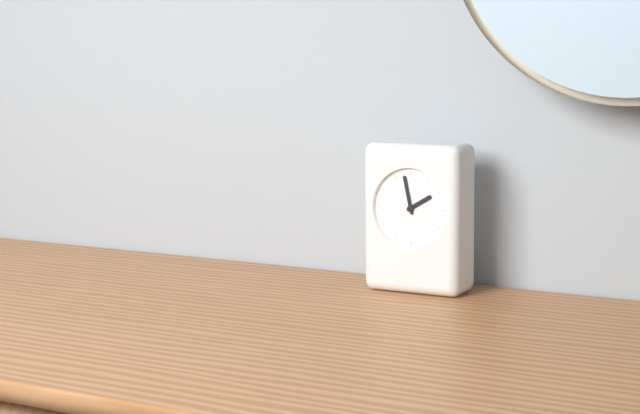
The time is 1:58
